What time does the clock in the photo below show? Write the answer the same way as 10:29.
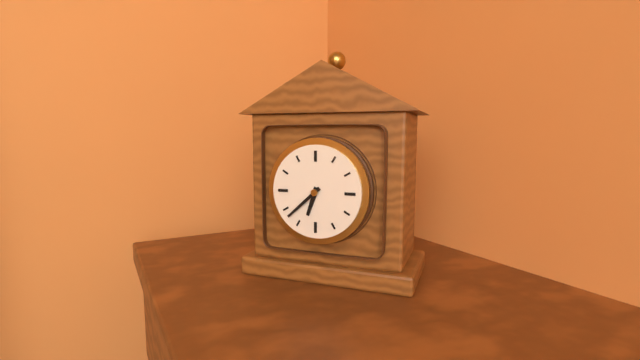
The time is 6:38
